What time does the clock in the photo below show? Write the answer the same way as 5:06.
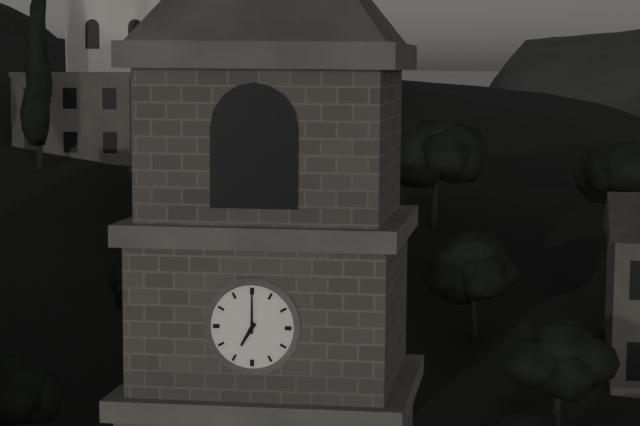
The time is 7:00
